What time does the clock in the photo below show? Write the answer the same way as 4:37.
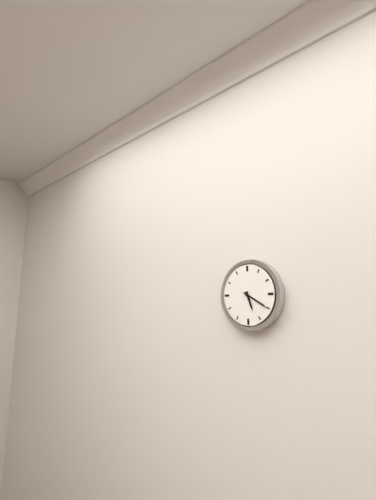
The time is 5:20
